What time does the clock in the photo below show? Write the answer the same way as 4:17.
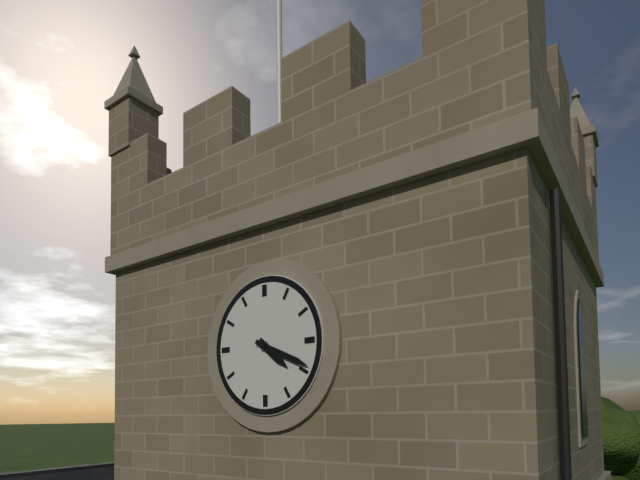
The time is 4:19
